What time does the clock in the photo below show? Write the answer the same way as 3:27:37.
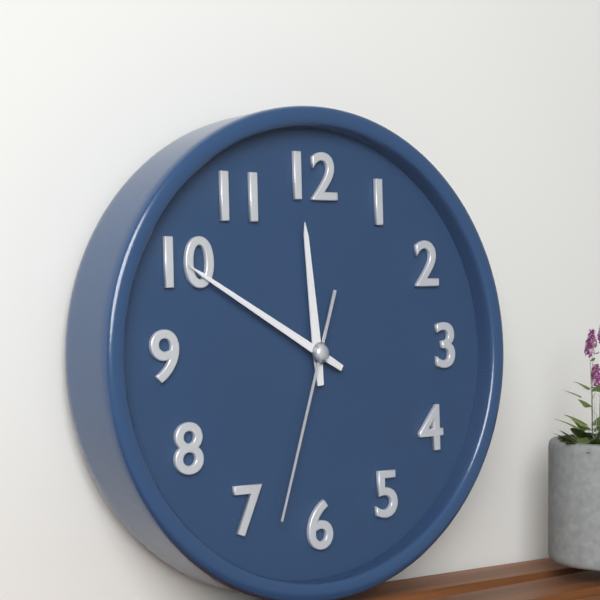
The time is 11:50:33
